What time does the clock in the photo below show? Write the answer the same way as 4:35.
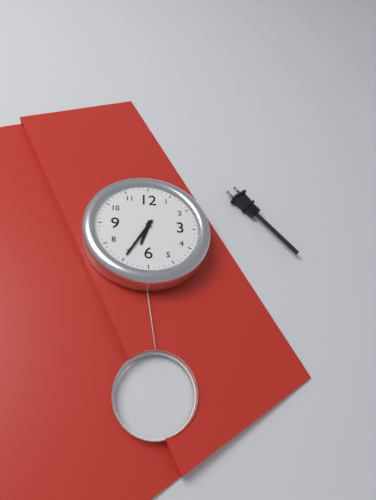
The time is 6:35
